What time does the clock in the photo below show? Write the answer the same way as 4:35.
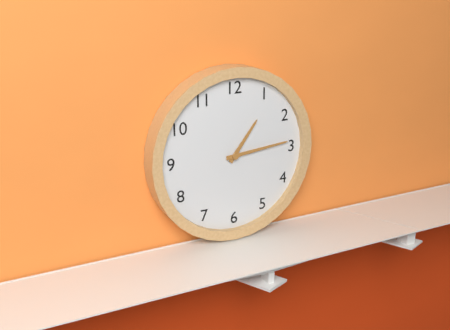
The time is 1:14
